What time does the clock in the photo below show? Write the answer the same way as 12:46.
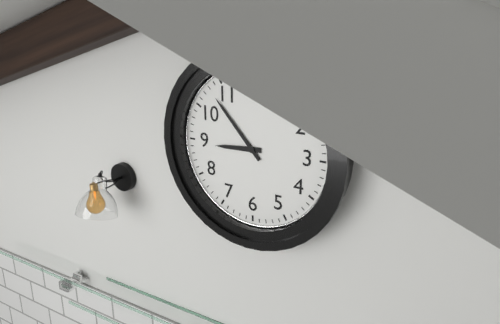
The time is 8:53
